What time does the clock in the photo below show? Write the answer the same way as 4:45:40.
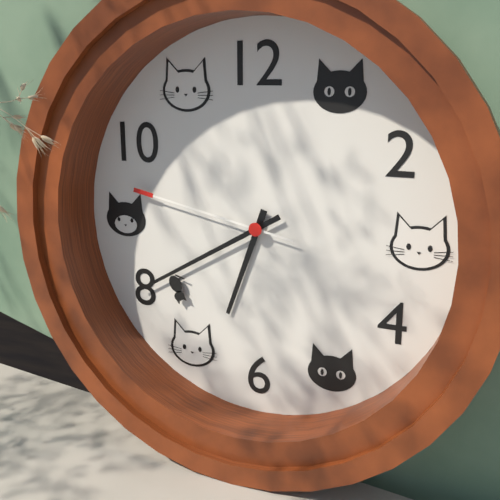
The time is 6:40:47
